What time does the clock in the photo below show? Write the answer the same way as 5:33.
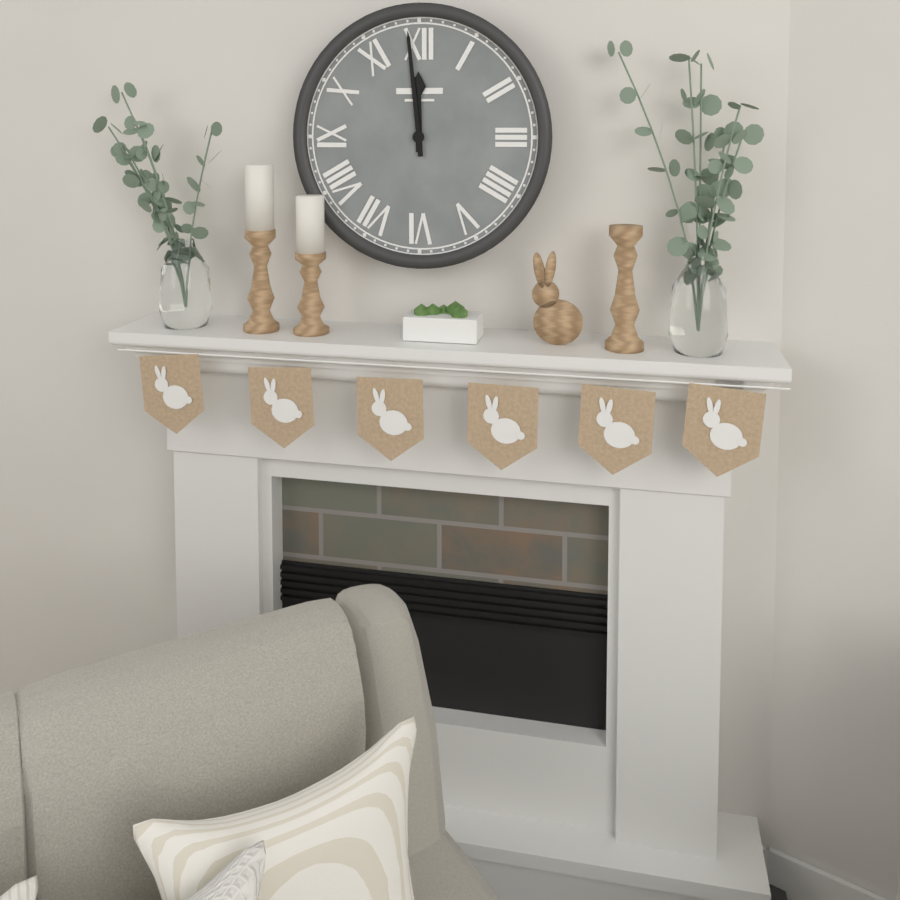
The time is 11:59
